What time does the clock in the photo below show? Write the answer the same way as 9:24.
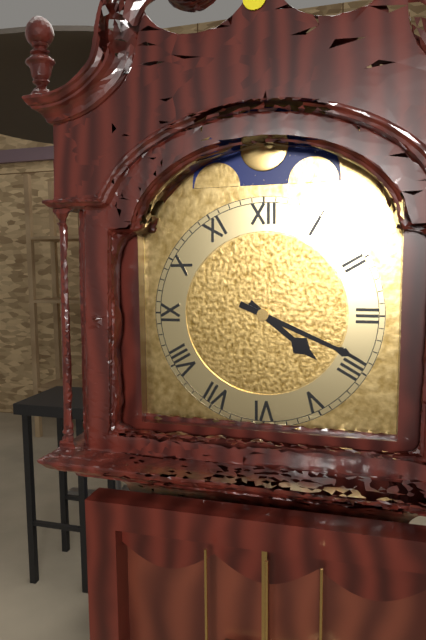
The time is 4:19
